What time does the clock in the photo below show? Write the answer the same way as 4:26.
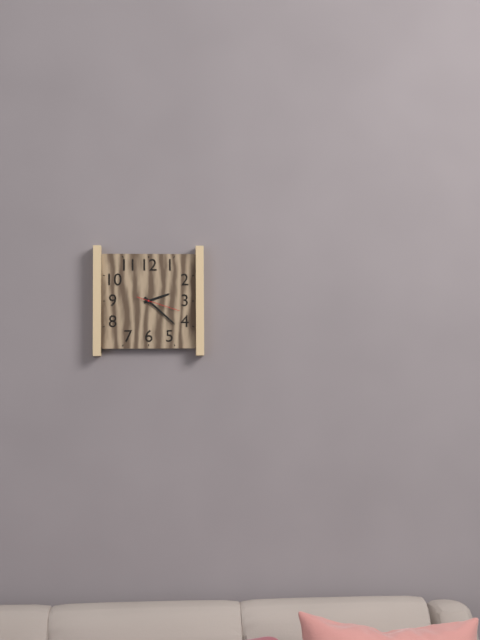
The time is 2:22
